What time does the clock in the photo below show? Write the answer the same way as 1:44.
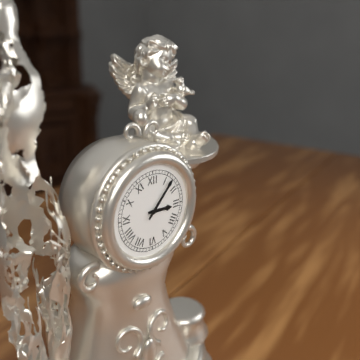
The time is 3:07
